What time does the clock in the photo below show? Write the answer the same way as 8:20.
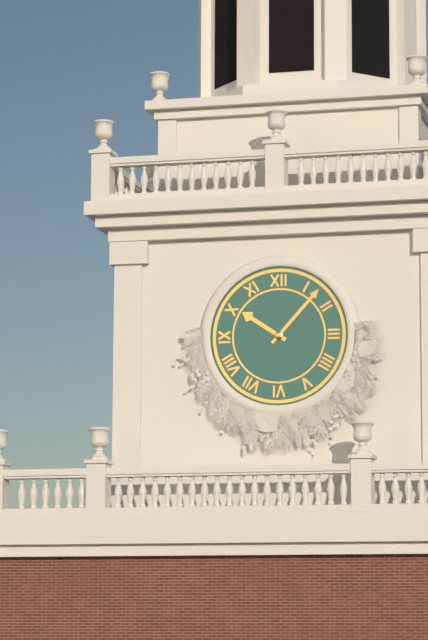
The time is 10:07
